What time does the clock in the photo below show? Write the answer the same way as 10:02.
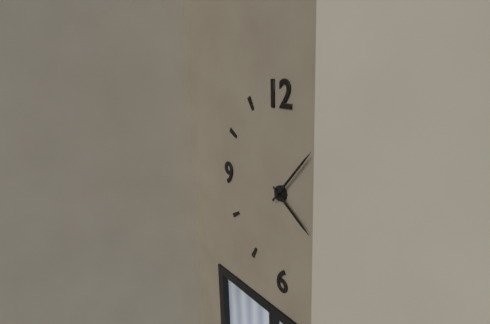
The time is 4:07
